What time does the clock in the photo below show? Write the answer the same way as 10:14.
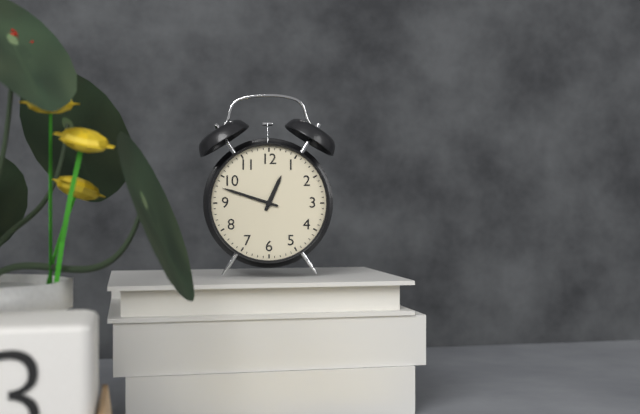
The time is 12:48
